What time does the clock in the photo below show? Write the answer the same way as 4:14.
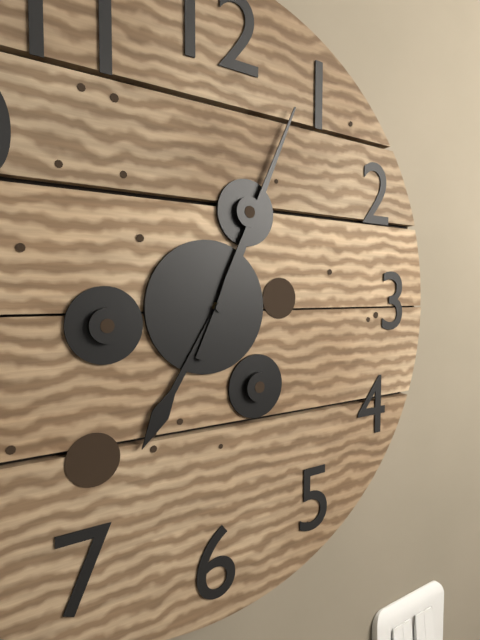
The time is 7:04
